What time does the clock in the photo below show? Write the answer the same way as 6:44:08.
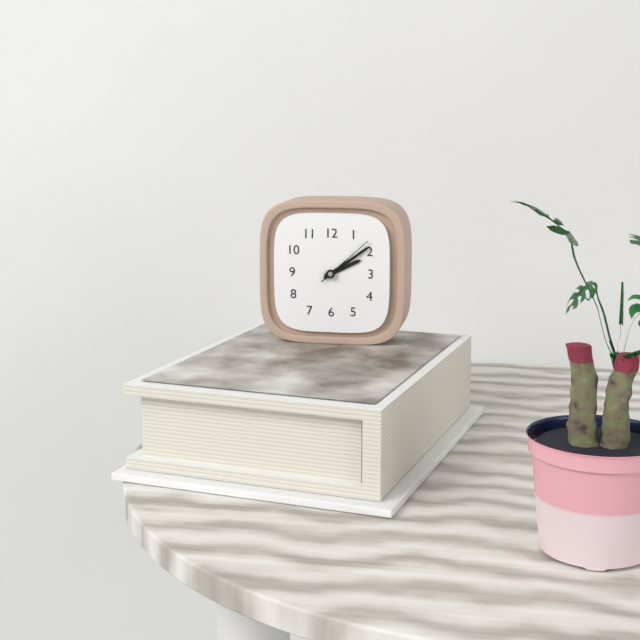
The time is 2:09:08
